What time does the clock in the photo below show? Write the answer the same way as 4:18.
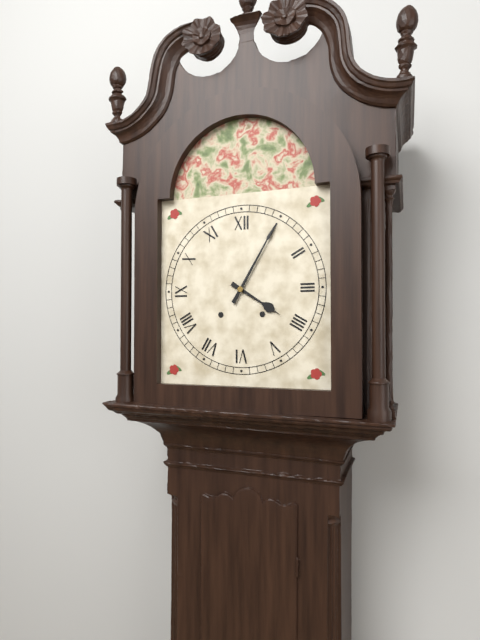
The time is 4:05
